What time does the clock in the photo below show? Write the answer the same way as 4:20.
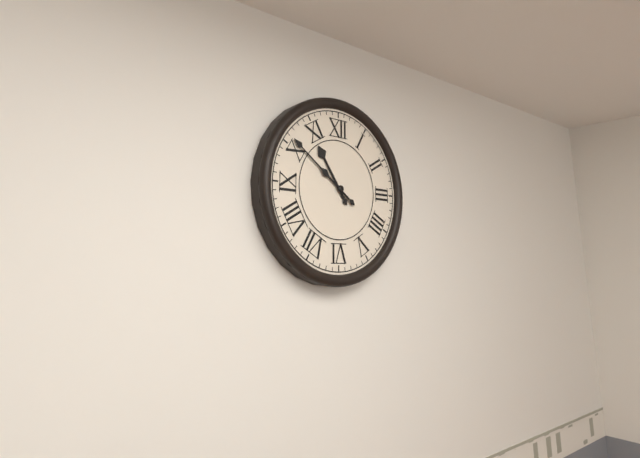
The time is 10:51
